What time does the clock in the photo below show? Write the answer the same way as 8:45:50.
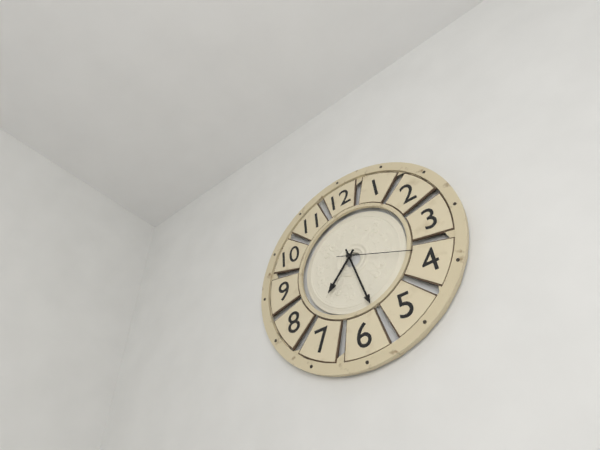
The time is 7:28:19
